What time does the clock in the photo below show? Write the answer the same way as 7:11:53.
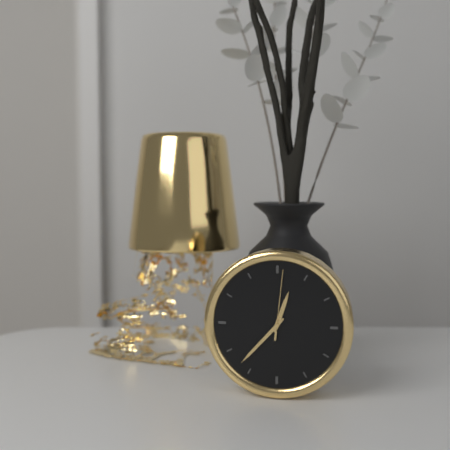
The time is 12:37:01
